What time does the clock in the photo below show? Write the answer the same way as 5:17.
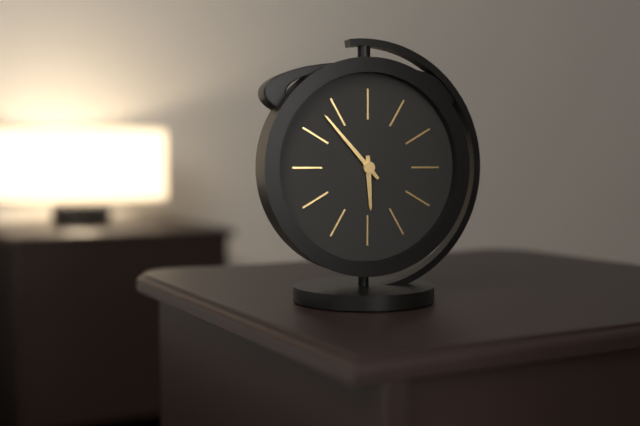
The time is 5:53
